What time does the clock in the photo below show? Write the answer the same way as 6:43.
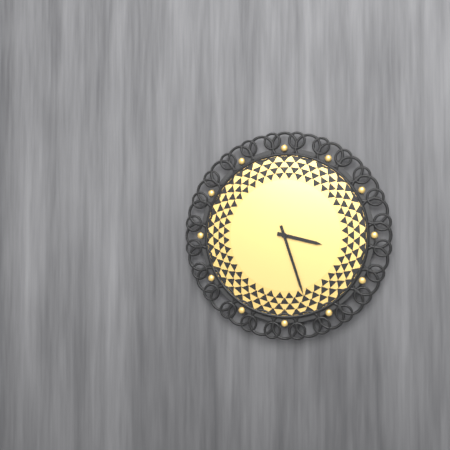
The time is 3:27
